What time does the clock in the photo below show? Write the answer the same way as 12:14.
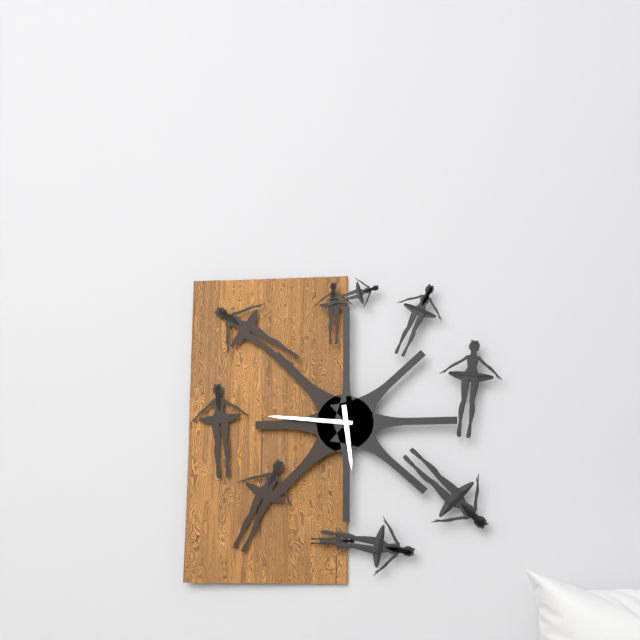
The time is 5:46
